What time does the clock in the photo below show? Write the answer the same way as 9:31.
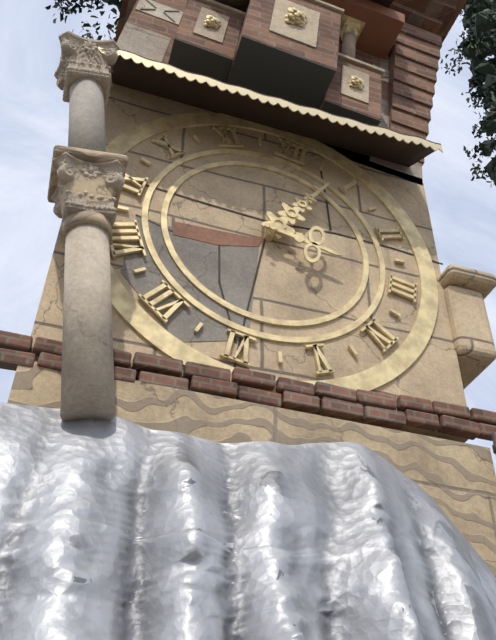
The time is 3:04
